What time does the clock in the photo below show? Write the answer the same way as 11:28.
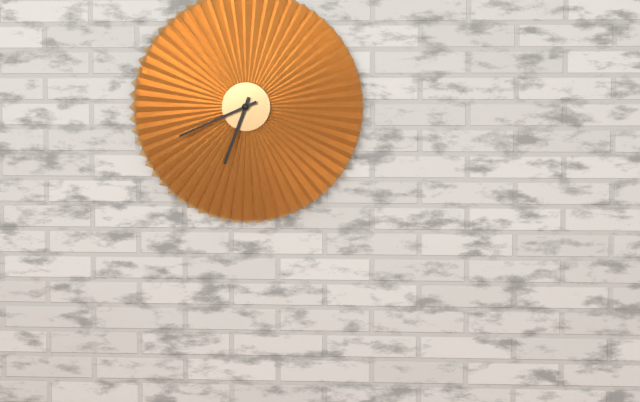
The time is 6:41
